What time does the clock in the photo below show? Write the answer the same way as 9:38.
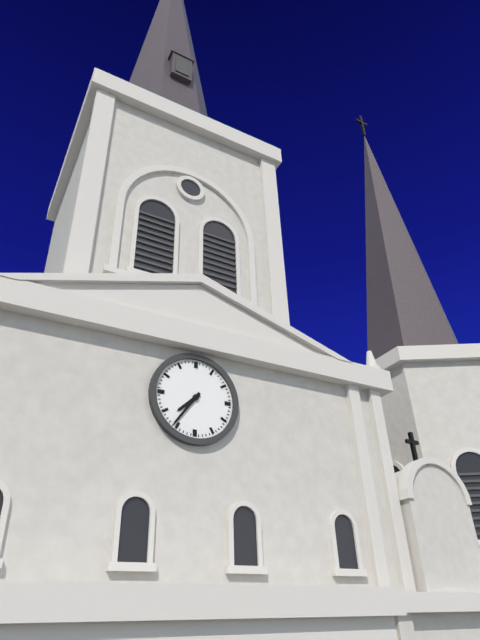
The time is 7:36
